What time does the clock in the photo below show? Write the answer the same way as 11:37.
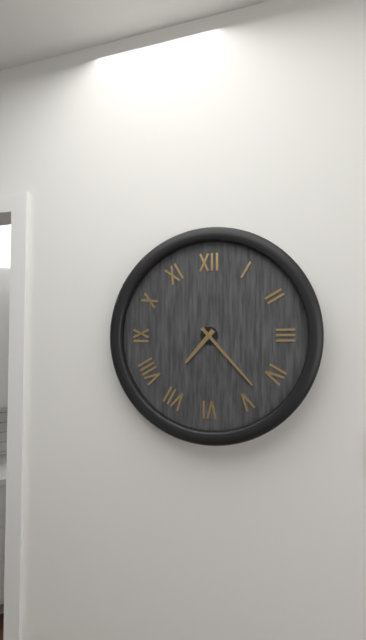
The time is 7:23
